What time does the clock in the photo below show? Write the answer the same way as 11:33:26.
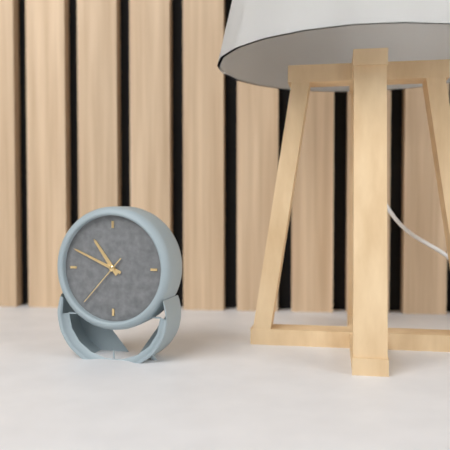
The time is 10:49:37
